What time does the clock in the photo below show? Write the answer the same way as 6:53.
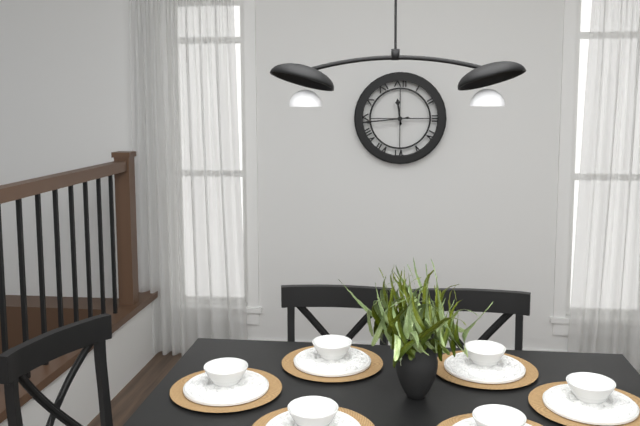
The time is 11:44
